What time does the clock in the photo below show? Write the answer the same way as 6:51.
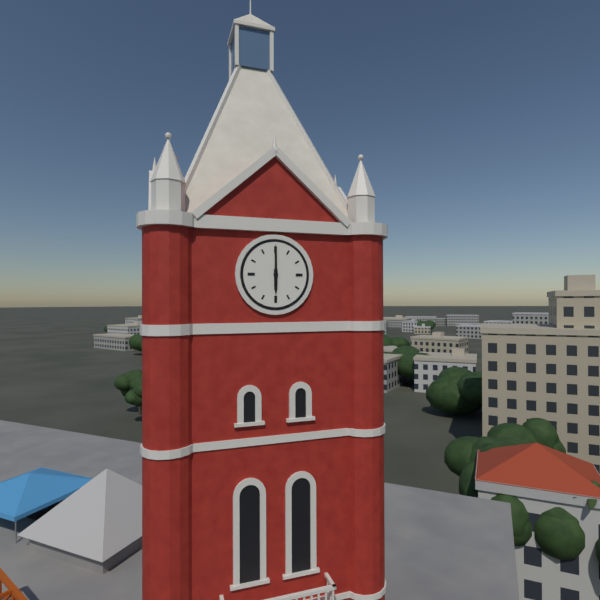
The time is 6:00
